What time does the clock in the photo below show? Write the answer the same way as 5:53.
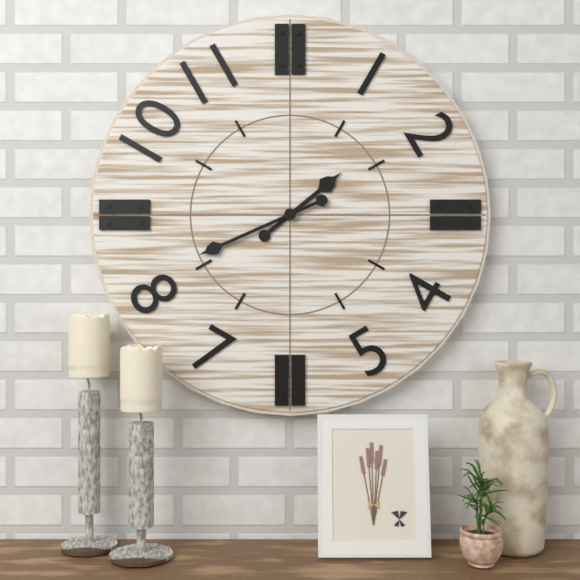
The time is 1:41
